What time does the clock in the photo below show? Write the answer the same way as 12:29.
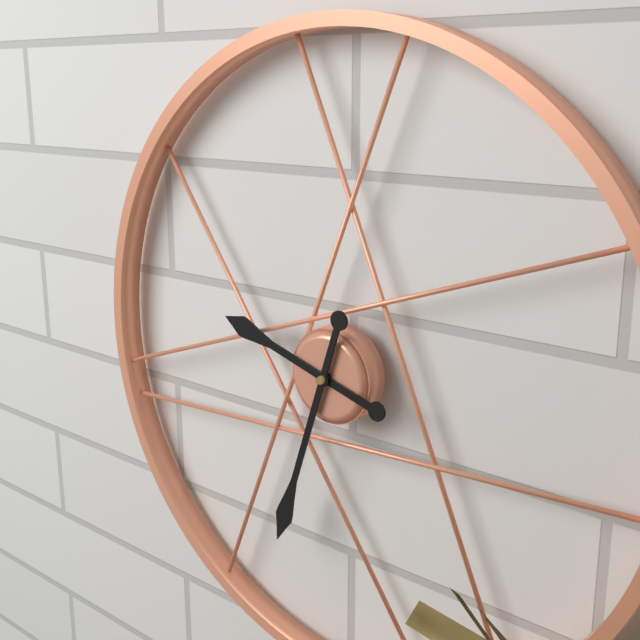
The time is 9:33
